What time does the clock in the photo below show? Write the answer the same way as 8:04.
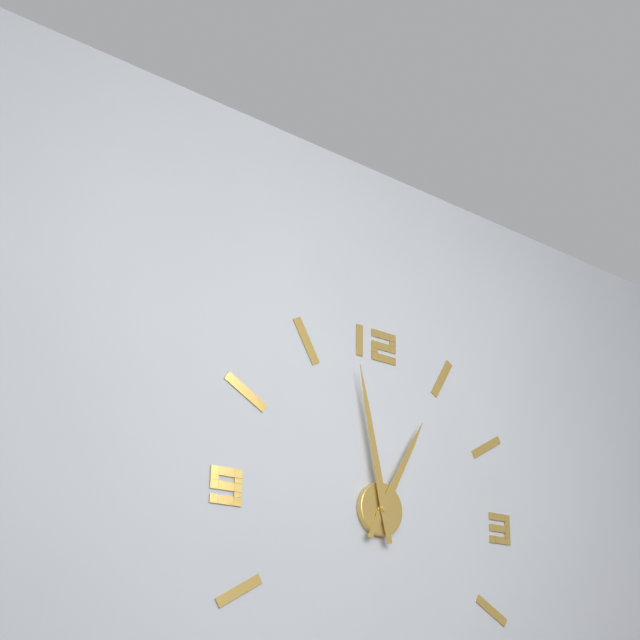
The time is 12:58
